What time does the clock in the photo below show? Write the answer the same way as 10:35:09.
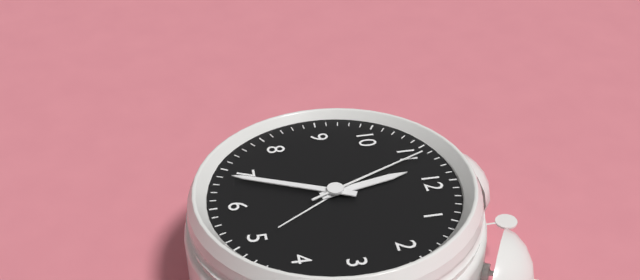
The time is 11:34:56
